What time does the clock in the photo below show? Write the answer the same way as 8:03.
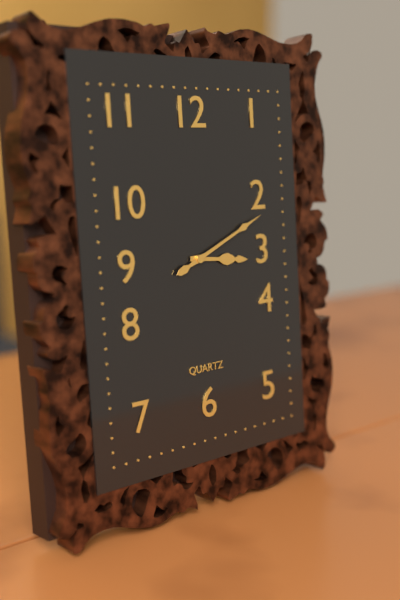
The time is 3:11
